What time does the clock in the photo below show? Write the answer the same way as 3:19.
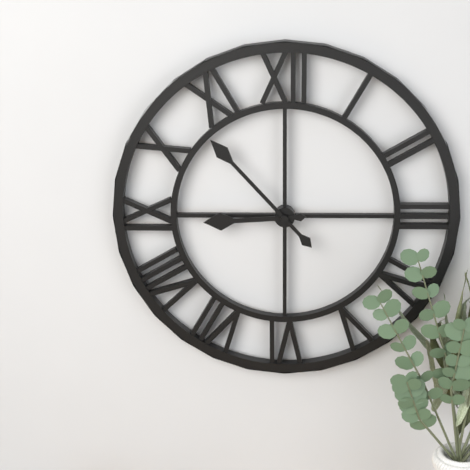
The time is 8:53
